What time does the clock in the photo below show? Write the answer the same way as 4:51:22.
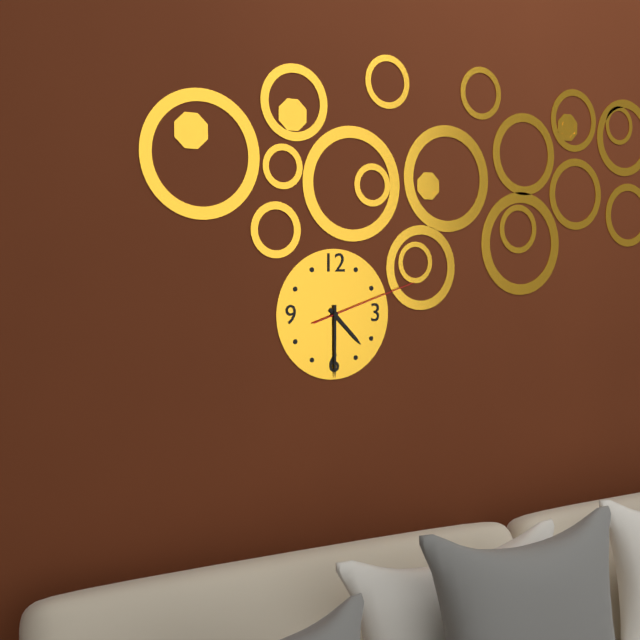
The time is 4:30:12
